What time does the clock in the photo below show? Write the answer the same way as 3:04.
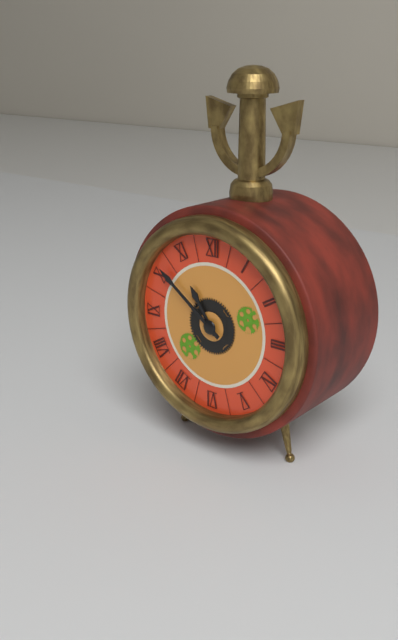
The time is 10:51
